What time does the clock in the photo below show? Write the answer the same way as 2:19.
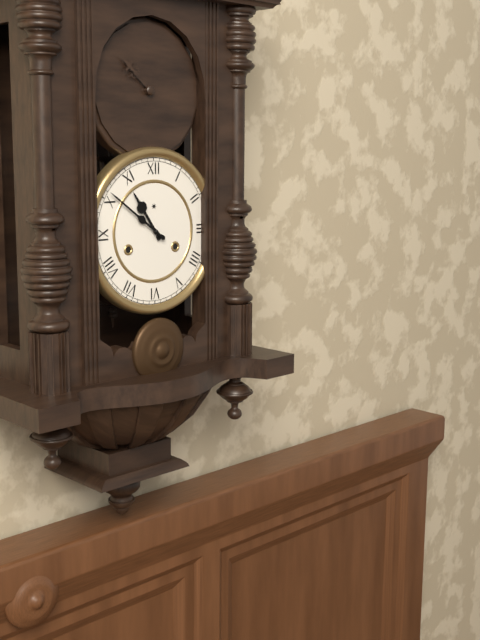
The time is 10:51
